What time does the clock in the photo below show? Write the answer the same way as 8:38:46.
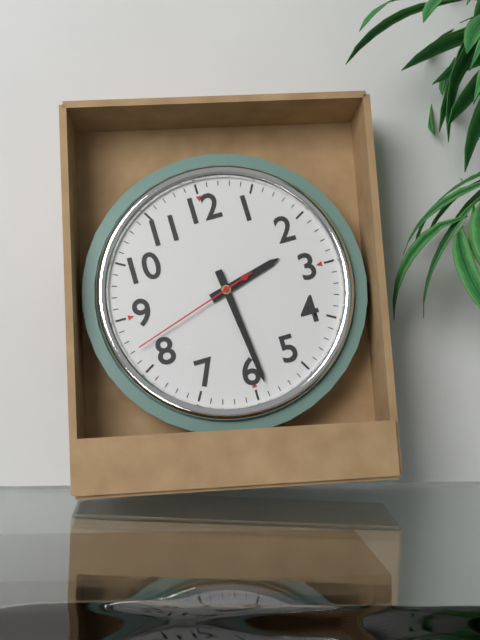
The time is 2:29:42
